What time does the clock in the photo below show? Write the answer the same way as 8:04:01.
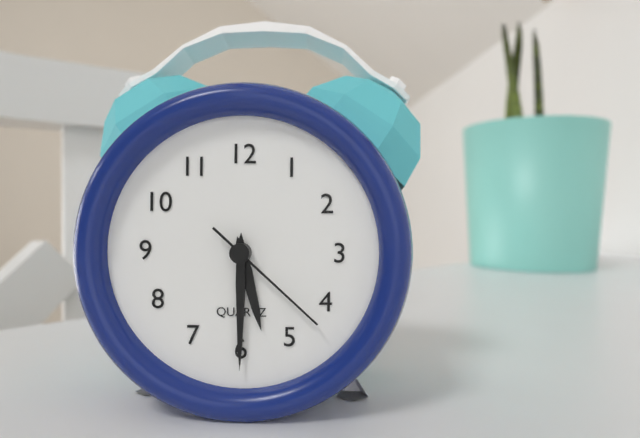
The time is 5:30:22
